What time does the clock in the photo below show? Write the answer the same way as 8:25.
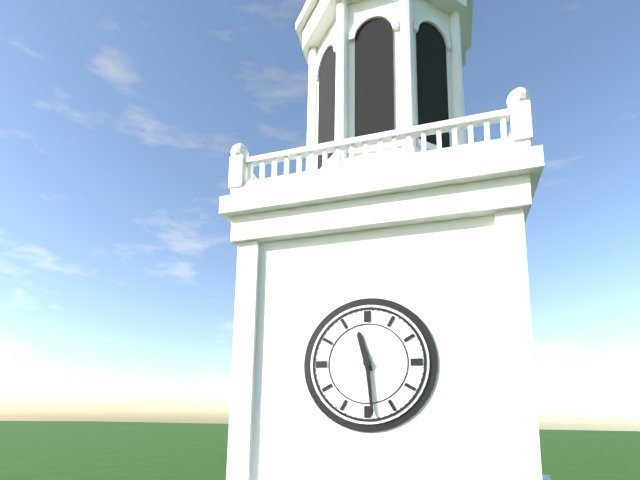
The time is 11:29
